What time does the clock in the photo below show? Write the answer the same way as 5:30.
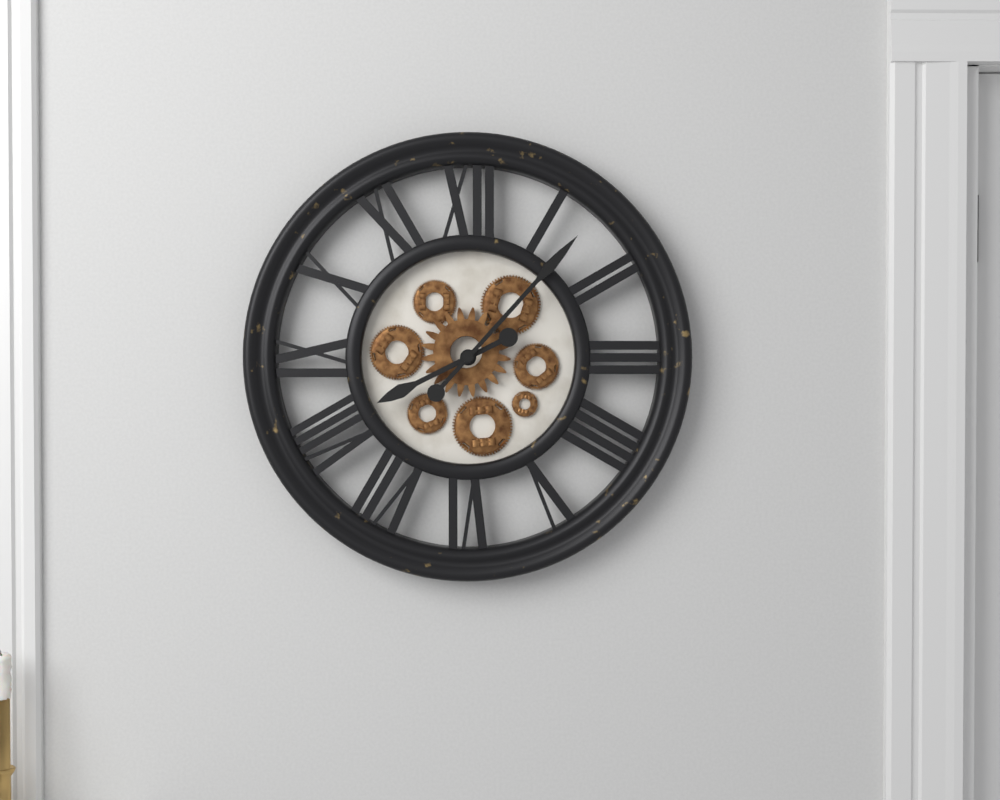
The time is 8:07
